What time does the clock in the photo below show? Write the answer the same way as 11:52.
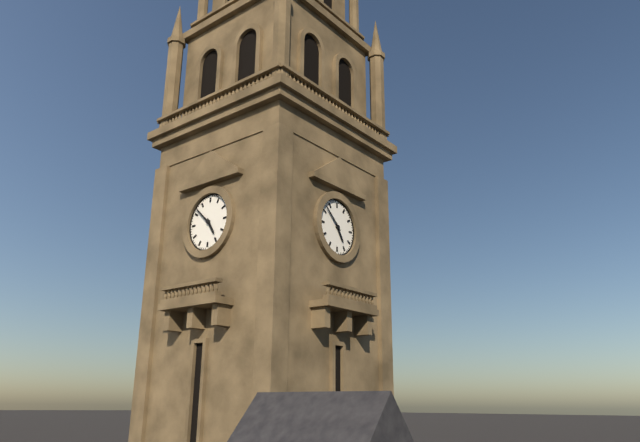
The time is 4:52
